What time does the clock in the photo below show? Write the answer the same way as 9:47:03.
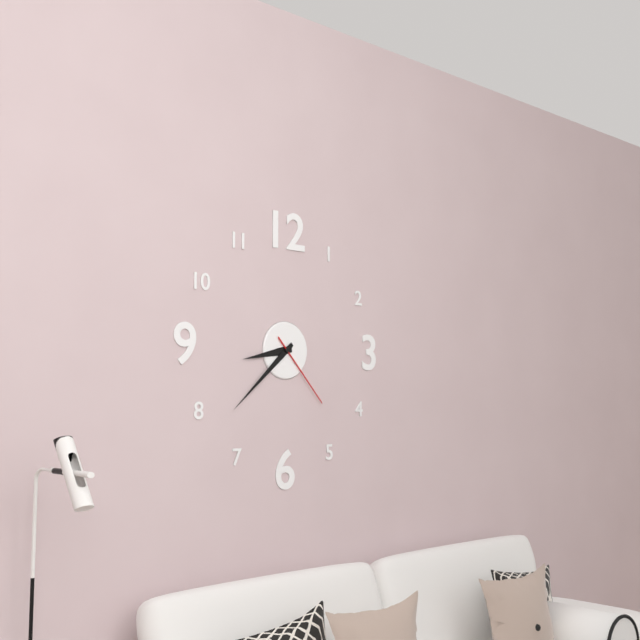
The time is 8:38:23
